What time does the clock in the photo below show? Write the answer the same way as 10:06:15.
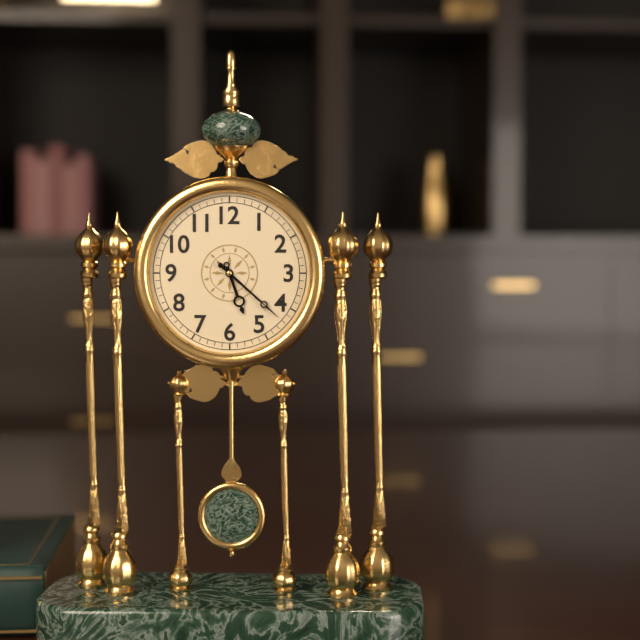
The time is 5:22:22
